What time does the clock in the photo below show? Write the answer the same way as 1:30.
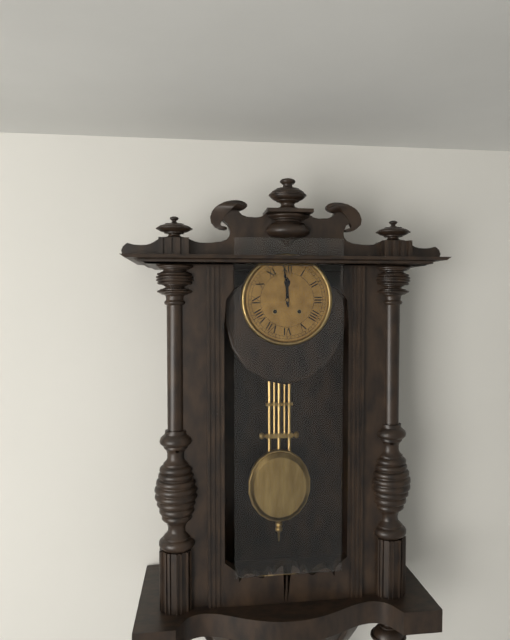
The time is 11:59
